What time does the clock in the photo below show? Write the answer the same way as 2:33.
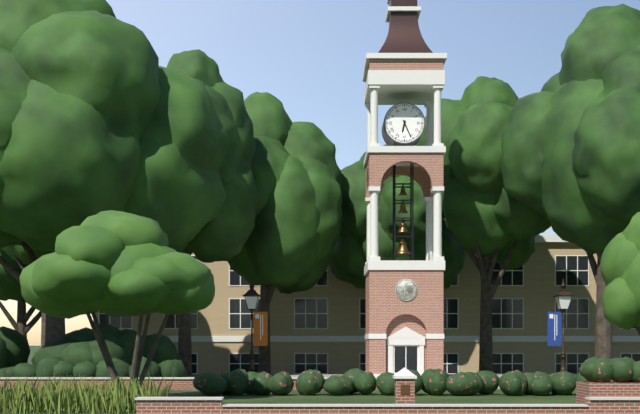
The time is 6:26
